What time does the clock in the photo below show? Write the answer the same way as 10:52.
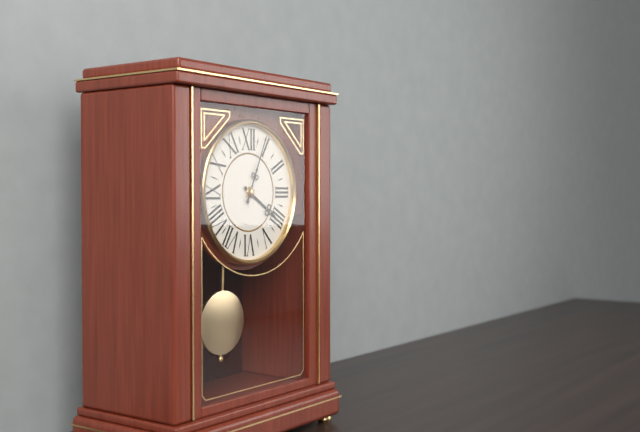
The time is 4:04
